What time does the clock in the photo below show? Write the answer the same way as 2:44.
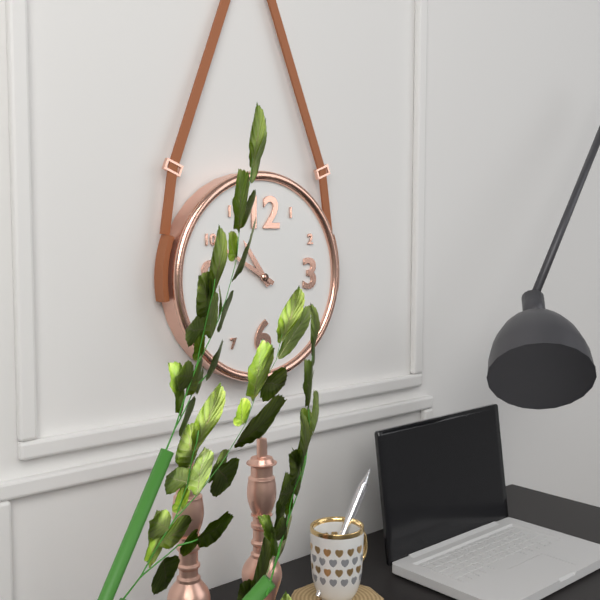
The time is 10:50
